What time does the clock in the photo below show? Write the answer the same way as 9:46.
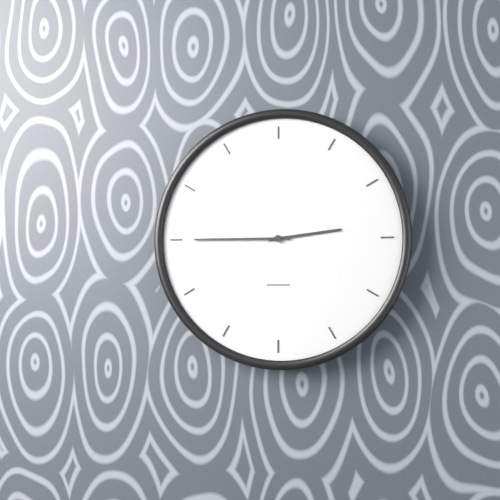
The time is 2:45
